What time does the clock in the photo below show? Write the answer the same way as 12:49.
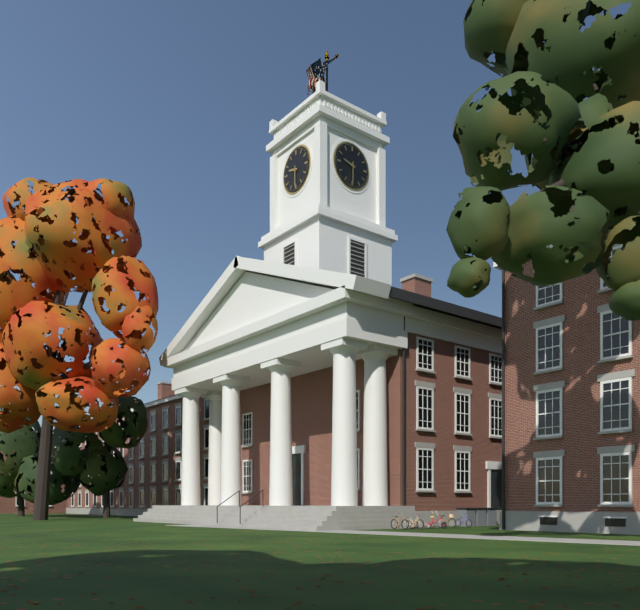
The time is 9:30
